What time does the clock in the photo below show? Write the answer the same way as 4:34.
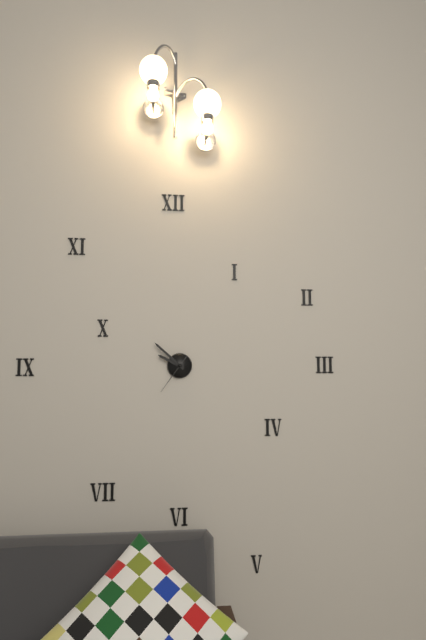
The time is 9:52
